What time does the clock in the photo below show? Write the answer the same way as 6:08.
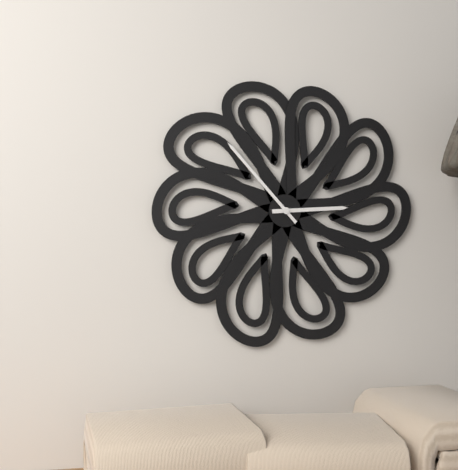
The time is 2:53
